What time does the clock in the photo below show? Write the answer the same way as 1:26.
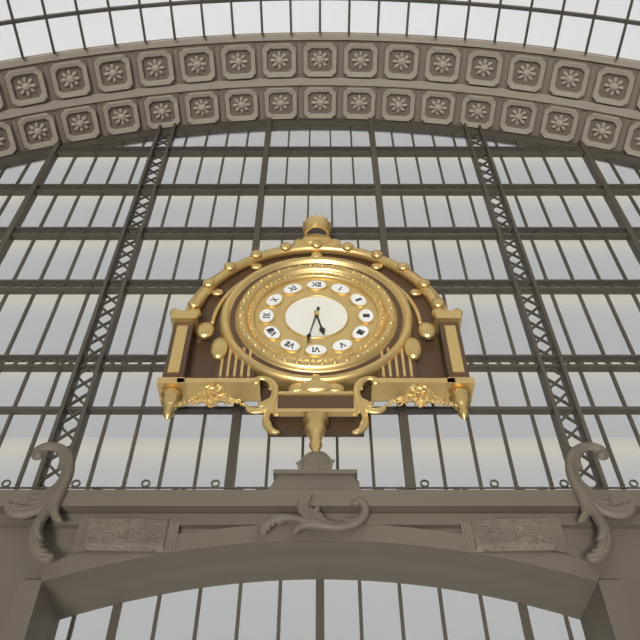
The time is 5:32
